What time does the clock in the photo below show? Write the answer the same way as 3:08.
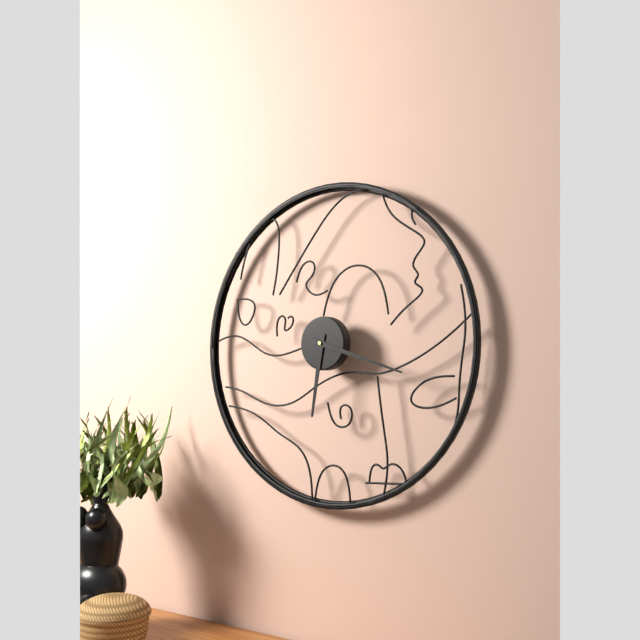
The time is 6:18
